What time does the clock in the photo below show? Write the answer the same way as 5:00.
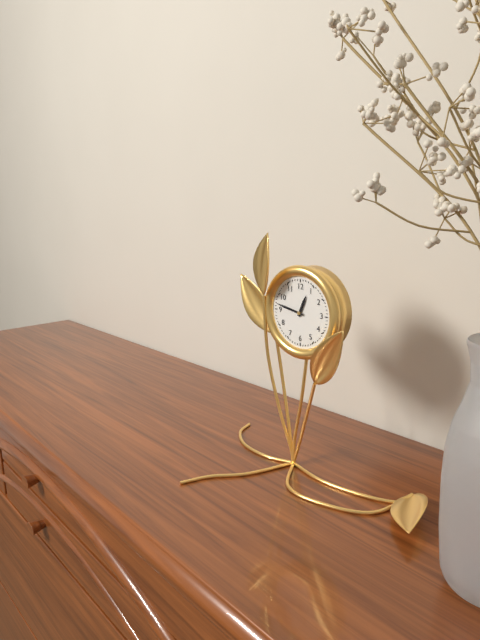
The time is 12:47
